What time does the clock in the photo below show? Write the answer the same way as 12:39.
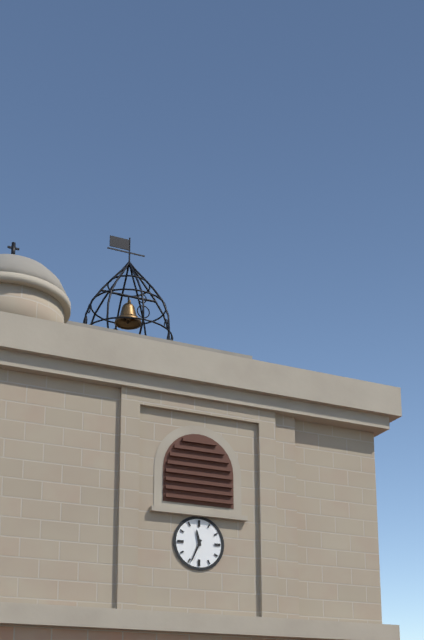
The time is 11:34
